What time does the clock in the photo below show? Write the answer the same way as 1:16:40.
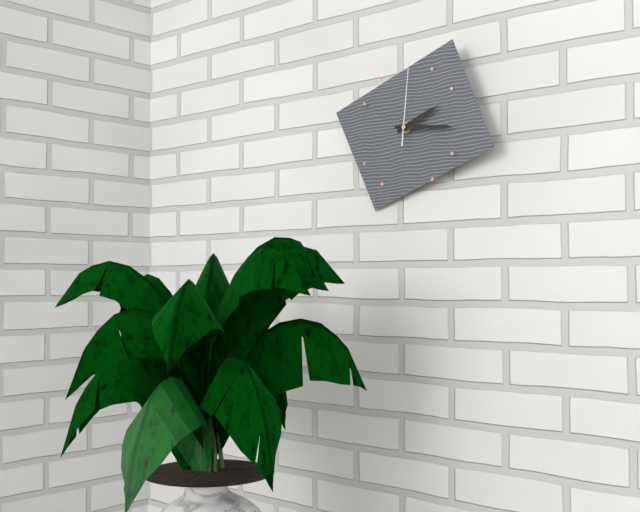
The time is 2:16:01
